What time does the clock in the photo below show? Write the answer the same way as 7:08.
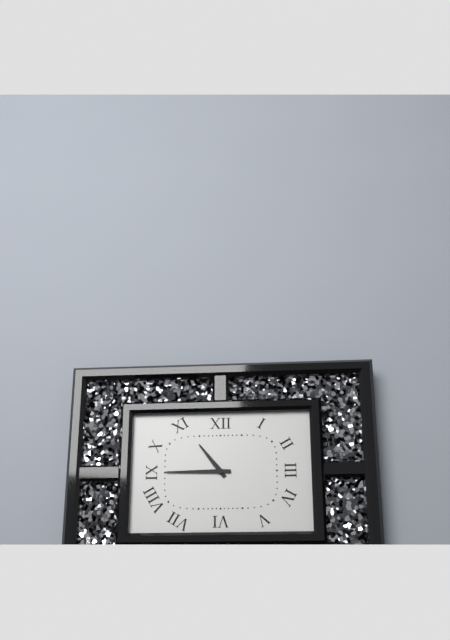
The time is 10:45
